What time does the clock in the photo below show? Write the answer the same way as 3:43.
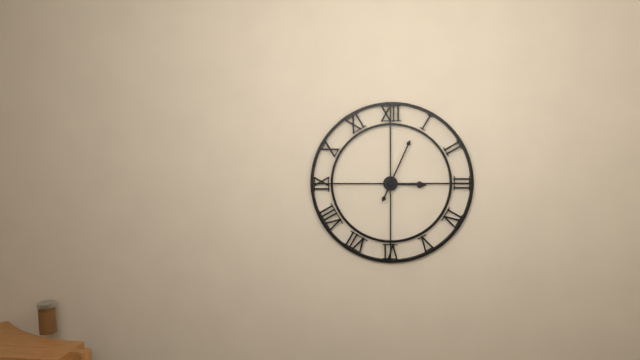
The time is 3:04
